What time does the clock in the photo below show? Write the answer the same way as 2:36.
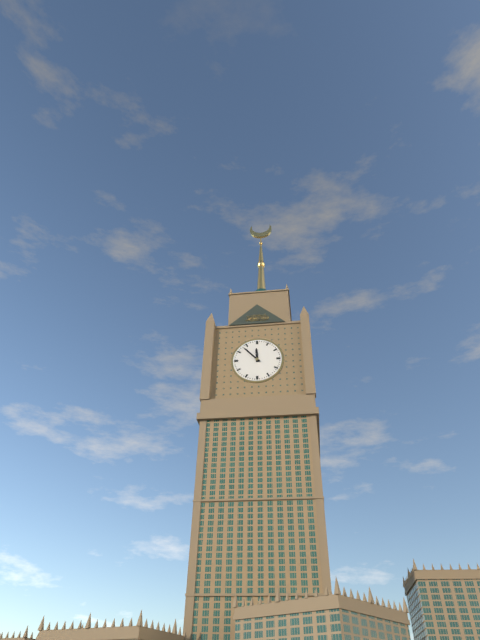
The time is 11:53
